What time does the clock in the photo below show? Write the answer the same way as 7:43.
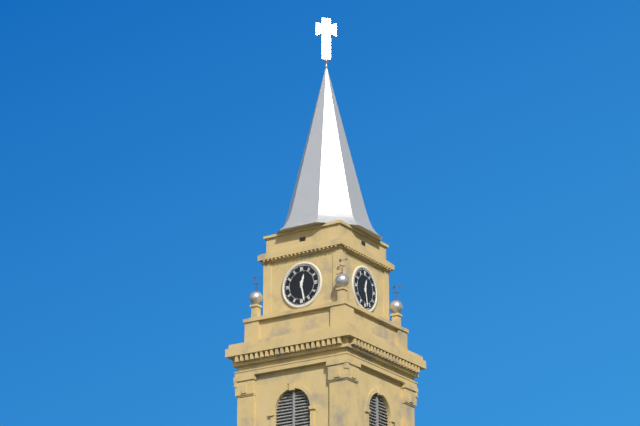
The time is 12:28
